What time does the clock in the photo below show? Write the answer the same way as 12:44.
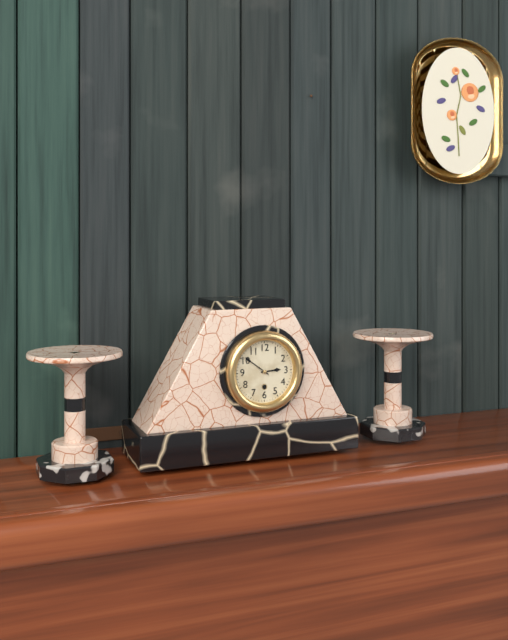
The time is 2:51
